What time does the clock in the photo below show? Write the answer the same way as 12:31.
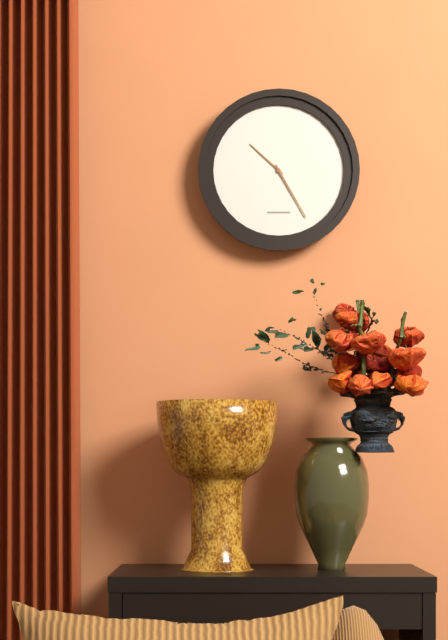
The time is 10:25
